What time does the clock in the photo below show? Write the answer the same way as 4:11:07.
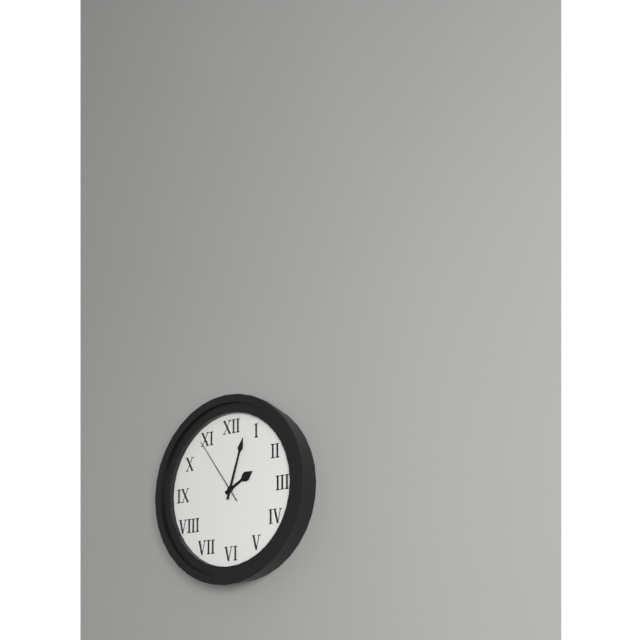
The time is 2:03:54
